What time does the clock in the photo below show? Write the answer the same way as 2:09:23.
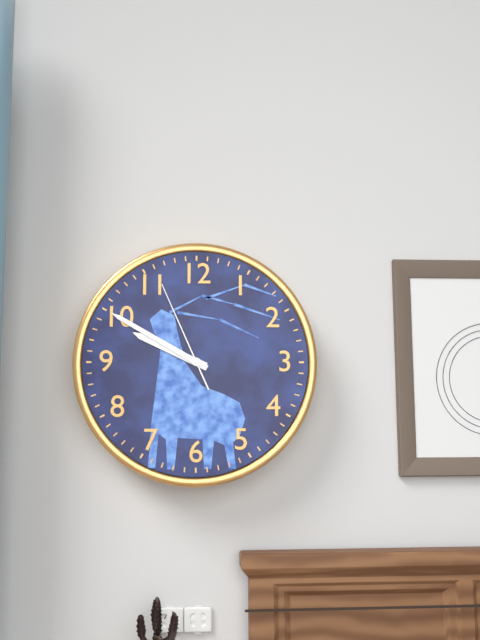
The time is 9:50:56
